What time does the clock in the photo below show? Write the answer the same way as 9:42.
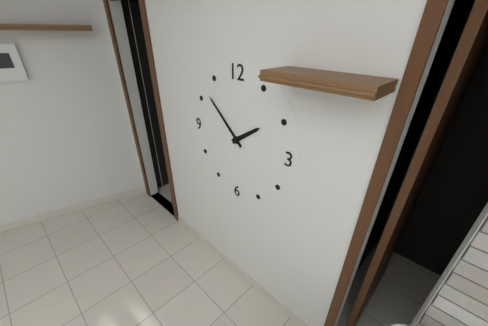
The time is 1:52
